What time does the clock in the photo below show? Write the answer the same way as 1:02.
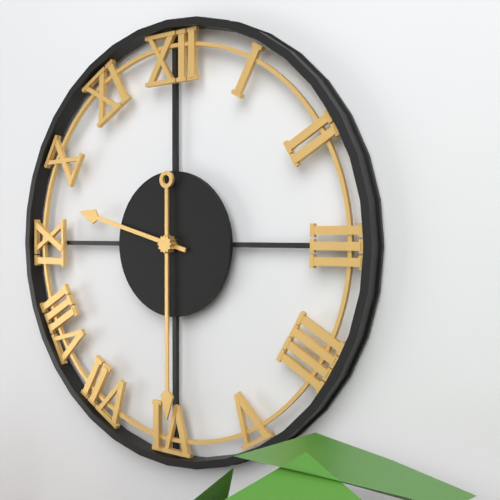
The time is 9:30
